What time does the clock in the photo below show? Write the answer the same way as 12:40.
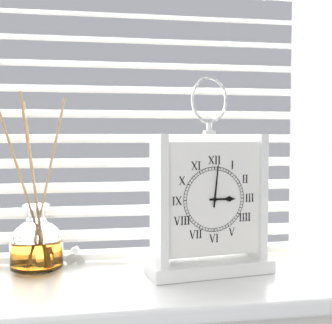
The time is 3:01
